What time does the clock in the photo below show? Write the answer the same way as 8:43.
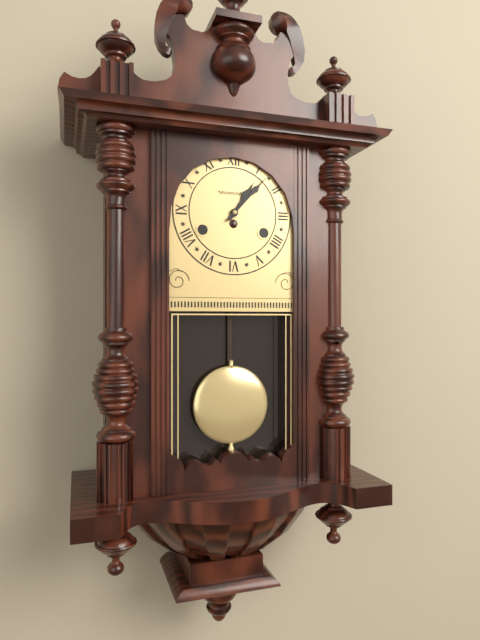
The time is 1:07
